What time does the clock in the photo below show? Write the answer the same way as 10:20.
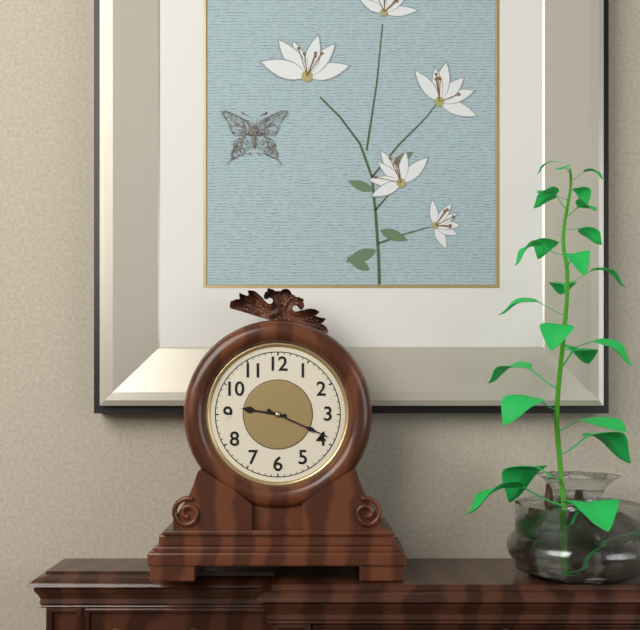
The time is 9:19
